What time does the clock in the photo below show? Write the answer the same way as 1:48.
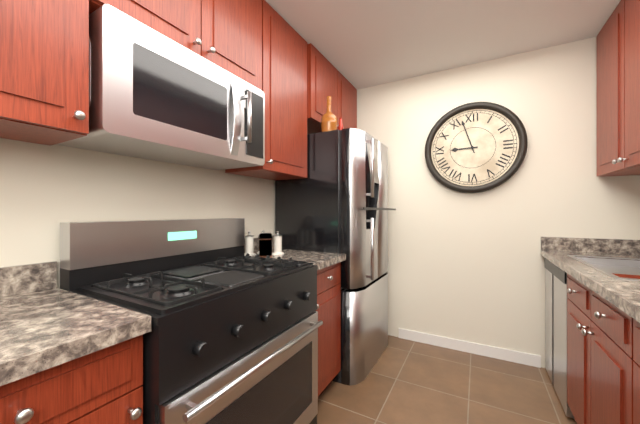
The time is 8:57
